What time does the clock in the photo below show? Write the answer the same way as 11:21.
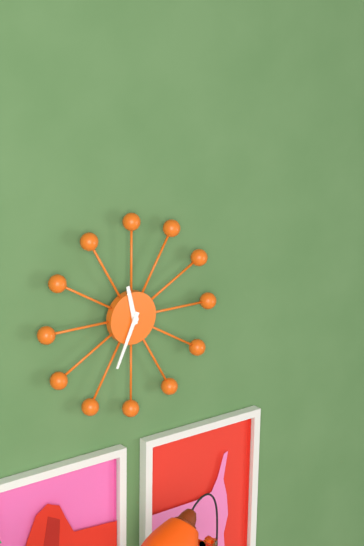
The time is 11:34
